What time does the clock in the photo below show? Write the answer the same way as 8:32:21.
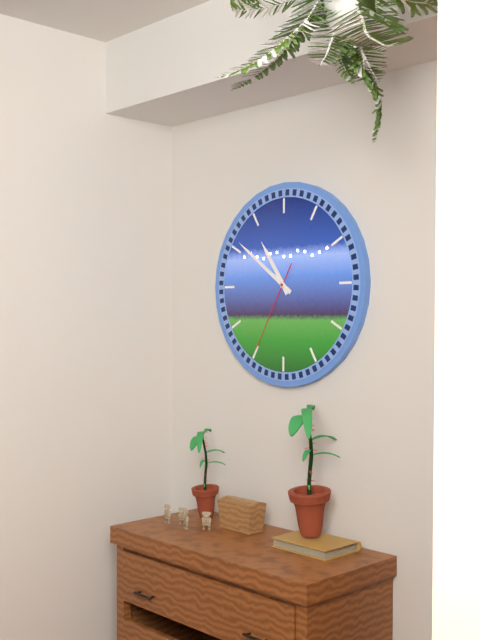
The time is 10:51:35
